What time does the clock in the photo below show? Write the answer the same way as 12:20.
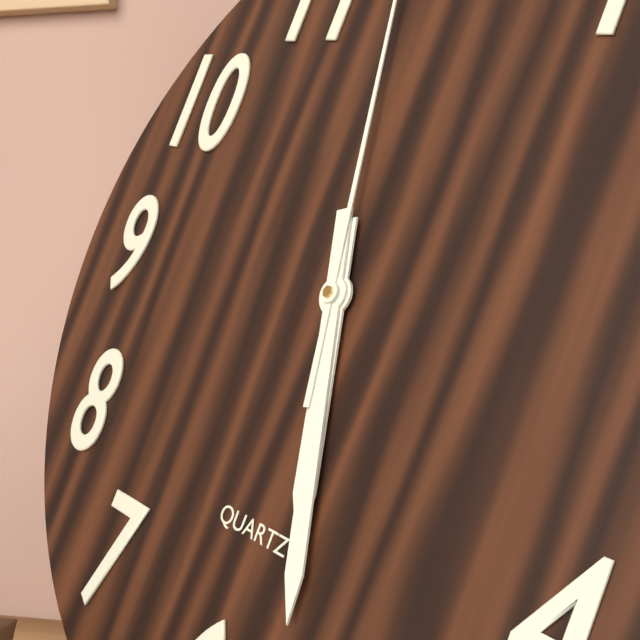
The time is 5:27
